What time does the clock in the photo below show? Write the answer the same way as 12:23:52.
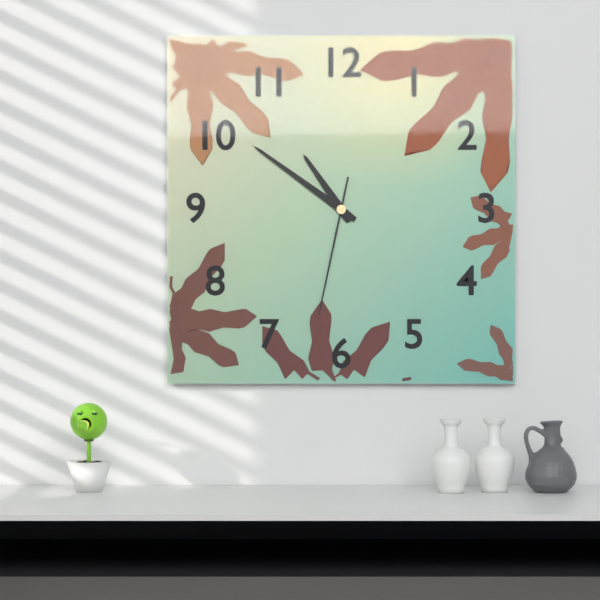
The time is 10:51:32
